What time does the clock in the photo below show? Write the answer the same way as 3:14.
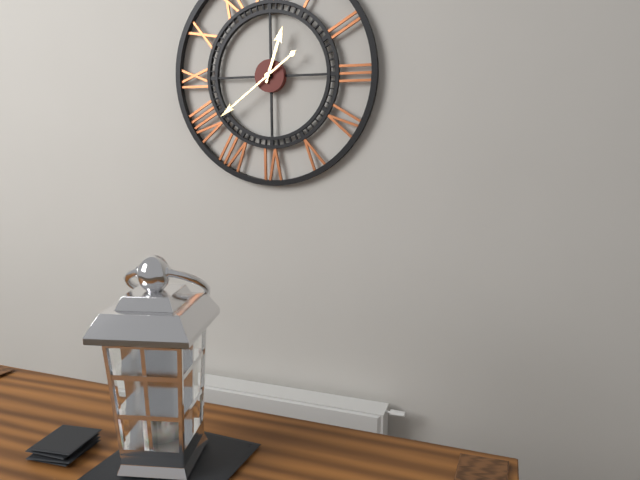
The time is 12:39
